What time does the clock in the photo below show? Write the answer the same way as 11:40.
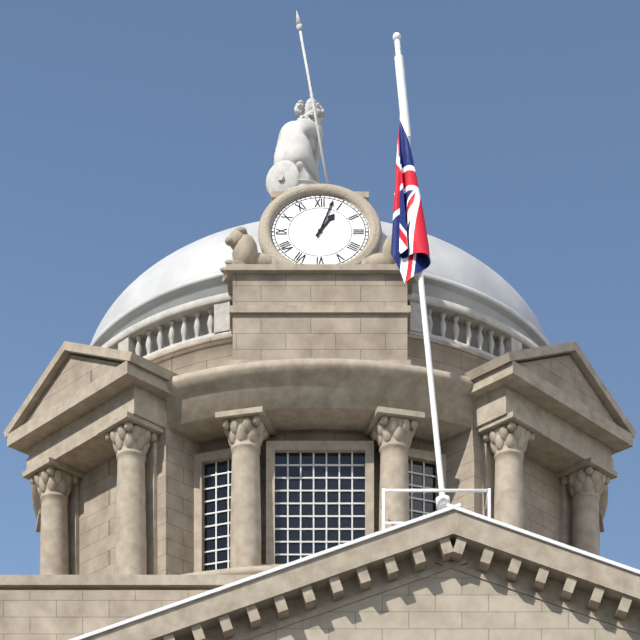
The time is 1:03
